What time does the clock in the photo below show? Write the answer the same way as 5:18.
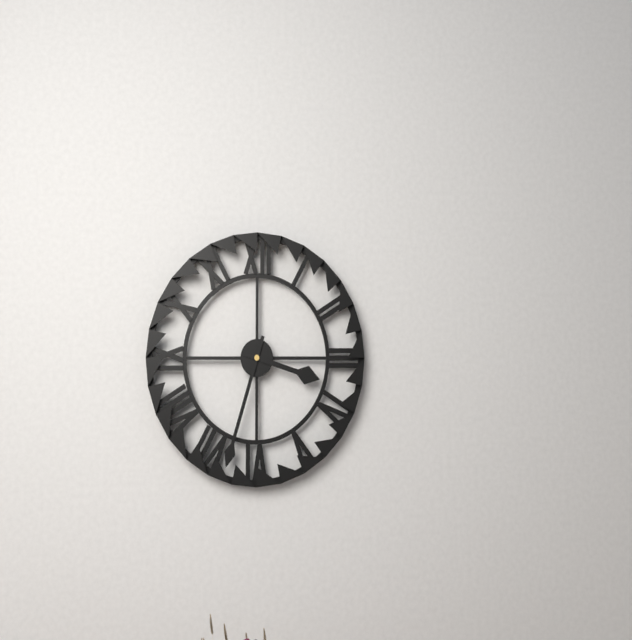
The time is 3:33
